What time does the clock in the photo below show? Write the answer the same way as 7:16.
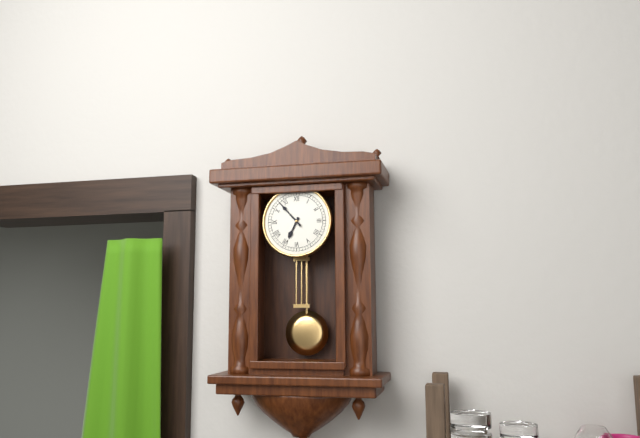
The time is 6:53
